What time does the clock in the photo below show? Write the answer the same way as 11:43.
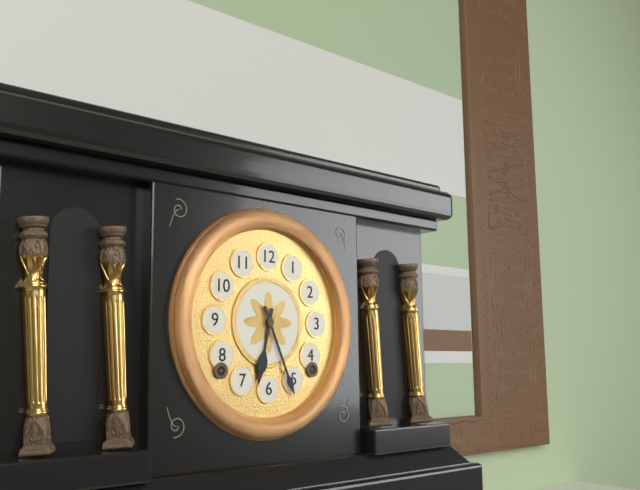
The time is 6:26
